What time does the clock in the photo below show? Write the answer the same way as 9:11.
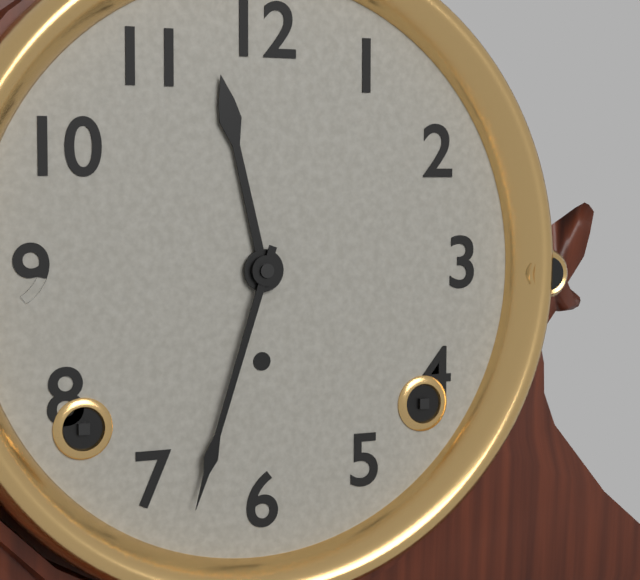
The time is 11:33
